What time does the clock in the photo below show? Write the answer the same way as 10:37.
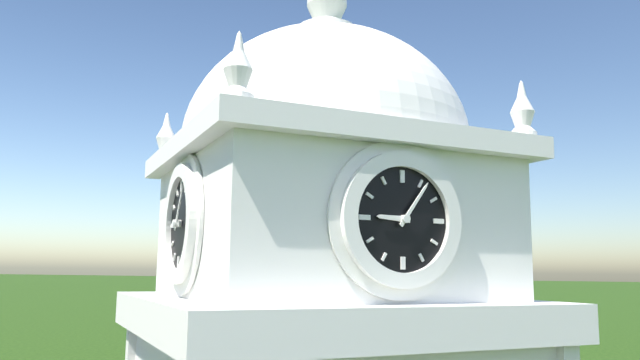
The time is 9:06
